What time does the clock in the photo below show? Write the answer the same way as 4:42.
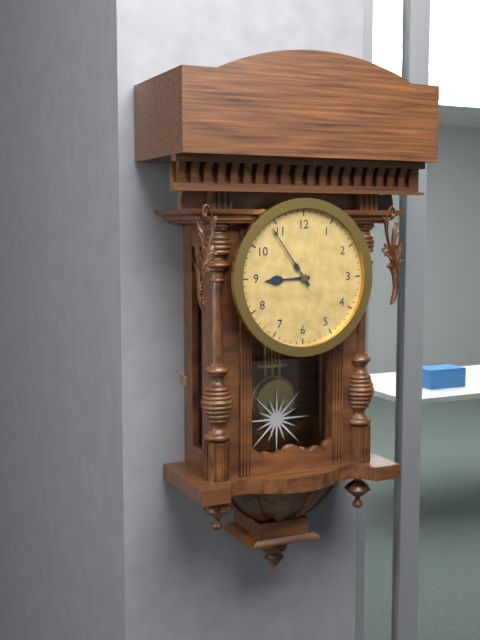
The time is 8:54
